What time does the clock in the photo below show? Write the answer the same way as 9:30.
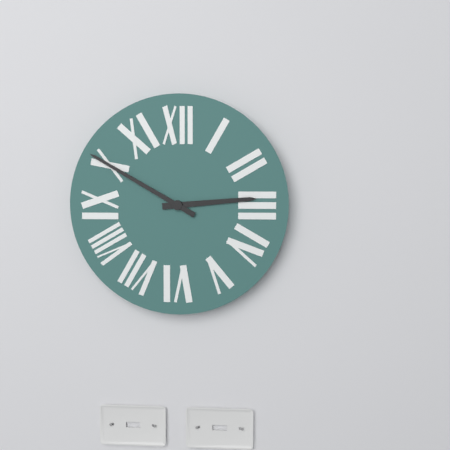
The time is 2:50
